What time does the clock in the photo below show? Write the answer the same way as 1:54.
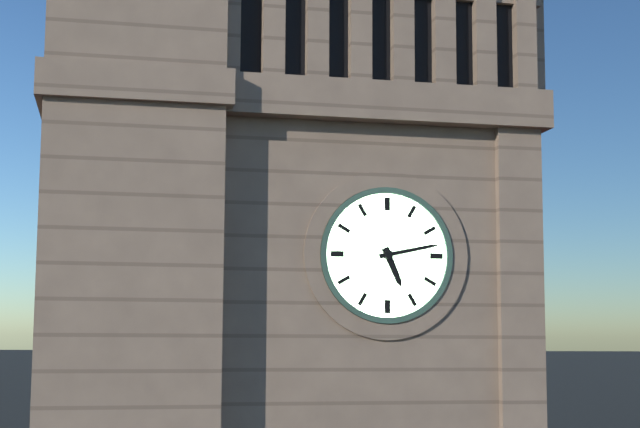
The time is 5:13
